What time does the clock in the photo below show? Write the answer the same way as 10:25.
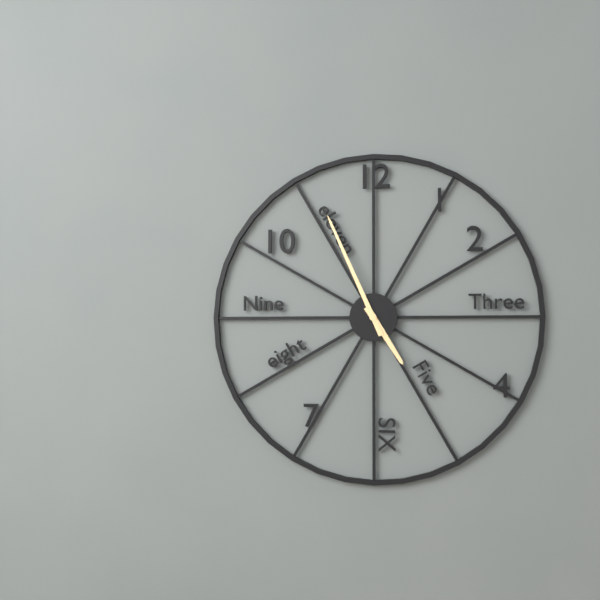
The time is 4:56
